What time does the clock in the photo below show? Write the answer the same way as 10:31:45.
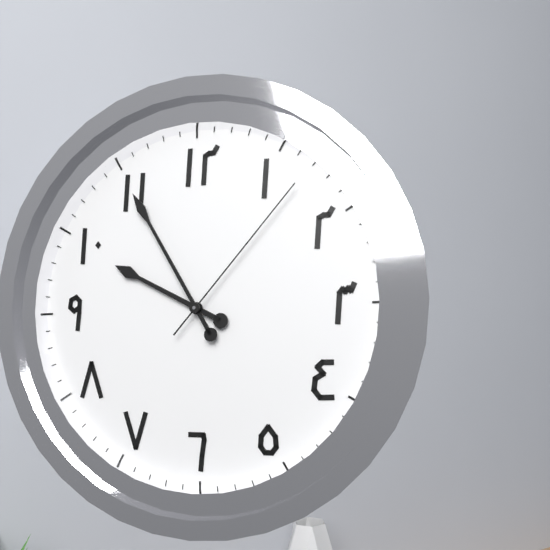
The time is 9:55:07
